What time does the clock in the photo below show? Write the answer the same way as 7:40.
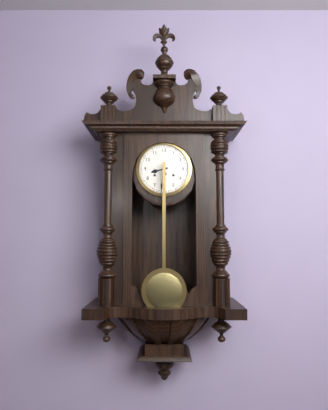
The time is 8:31
